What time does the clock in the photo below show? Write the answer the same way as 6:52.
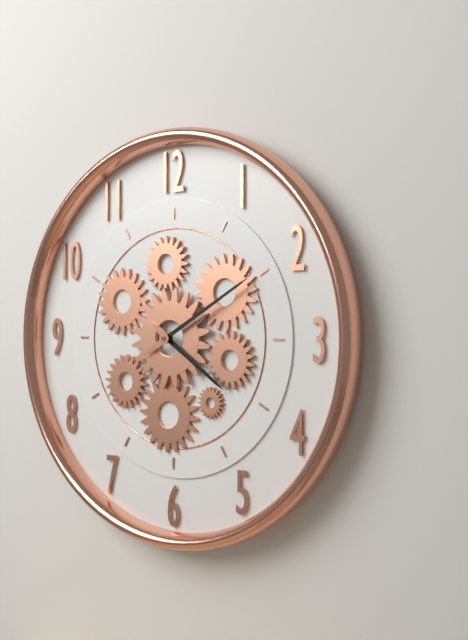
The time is 4:10
